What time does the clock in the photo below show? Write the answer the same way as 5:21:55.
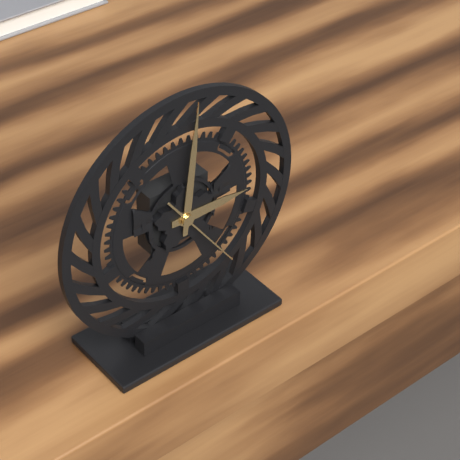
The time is 3:01:24
